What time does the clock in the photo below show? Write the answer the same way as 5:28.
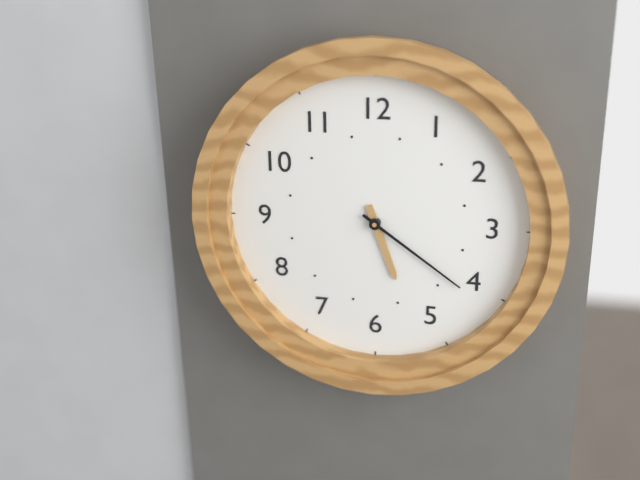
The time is 5:21
